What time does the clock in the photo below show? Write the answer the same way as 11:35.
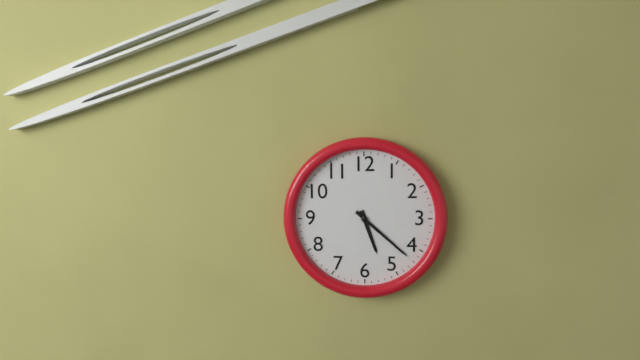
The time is 5:22
